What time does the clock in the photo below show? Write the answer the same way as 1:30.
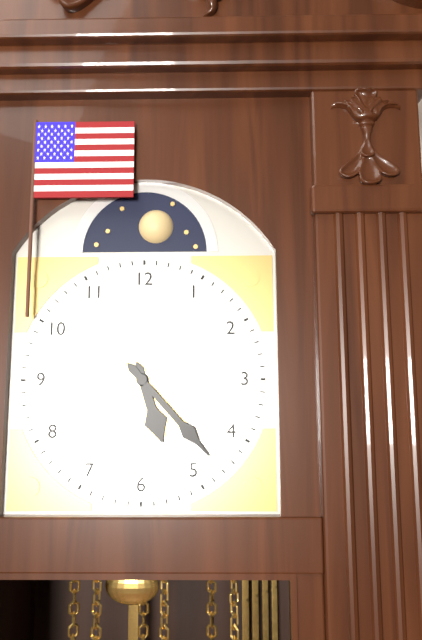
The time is 5:23
